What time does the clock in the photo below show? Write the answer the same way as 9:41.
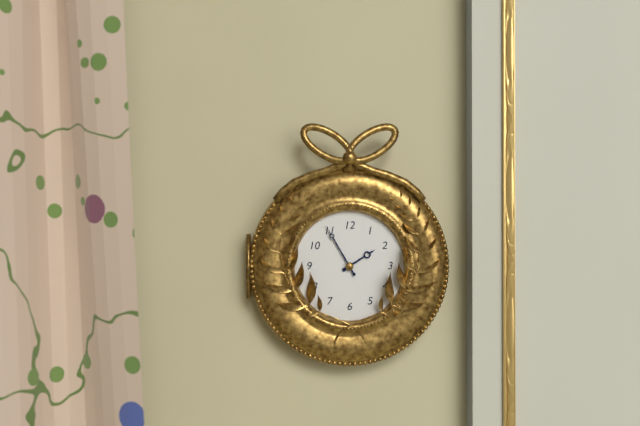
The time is 1:55
